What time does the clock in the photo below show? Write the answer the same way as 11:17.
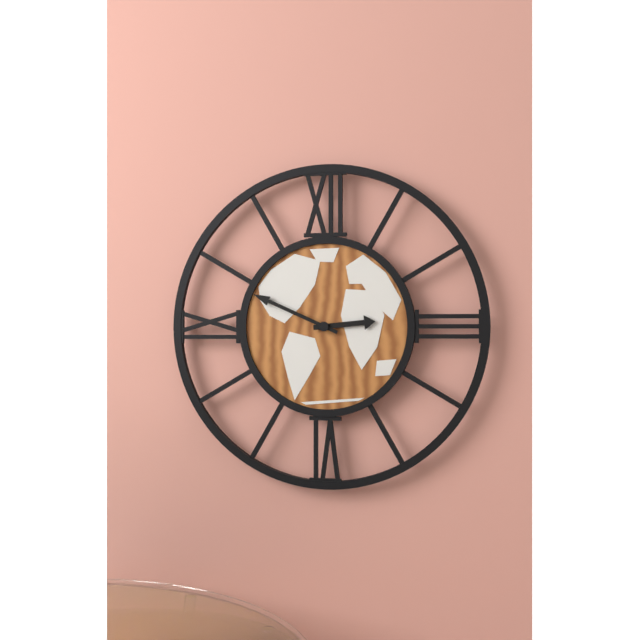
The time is 2:49
